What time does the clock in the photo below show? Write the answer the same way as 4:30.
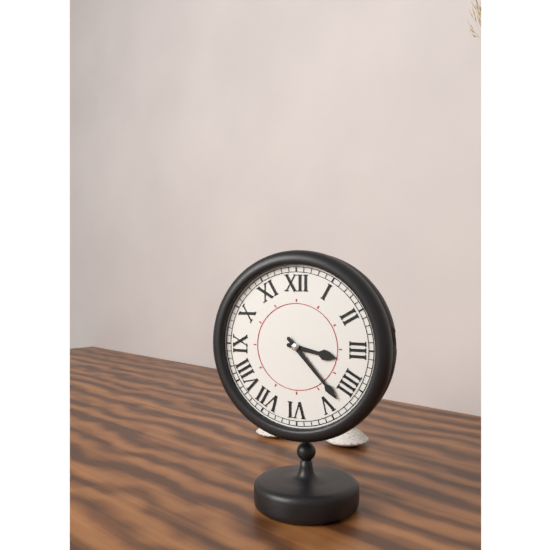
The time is 3:23
